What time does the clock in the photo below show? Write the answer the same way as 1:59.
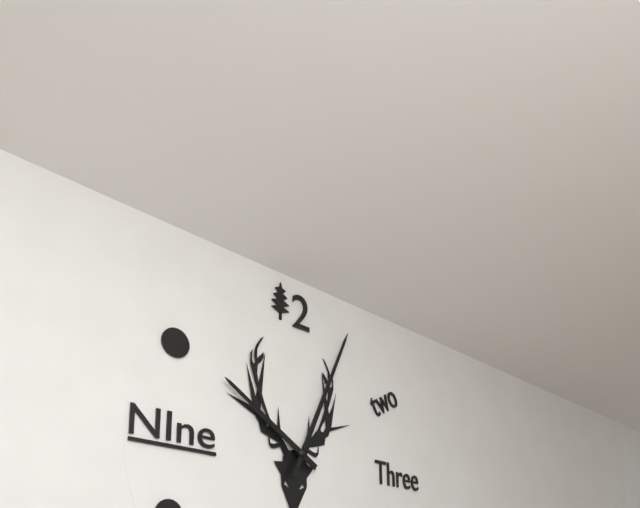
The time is 10:04
